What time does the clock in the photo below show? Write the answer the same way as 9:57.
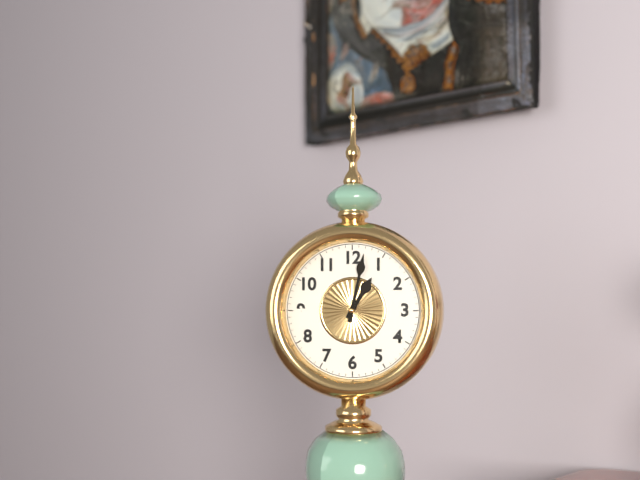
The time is 1:02
